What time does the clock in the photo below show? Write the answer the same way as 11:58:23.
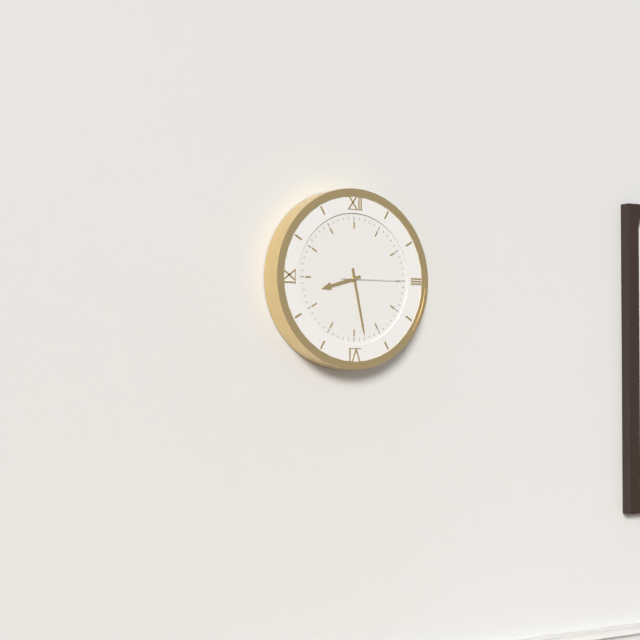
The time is 8:28:15
